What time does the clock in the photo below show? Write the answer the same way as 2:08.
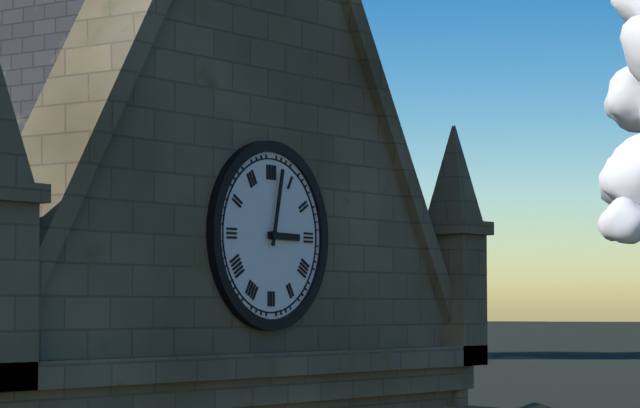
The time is 3:02
